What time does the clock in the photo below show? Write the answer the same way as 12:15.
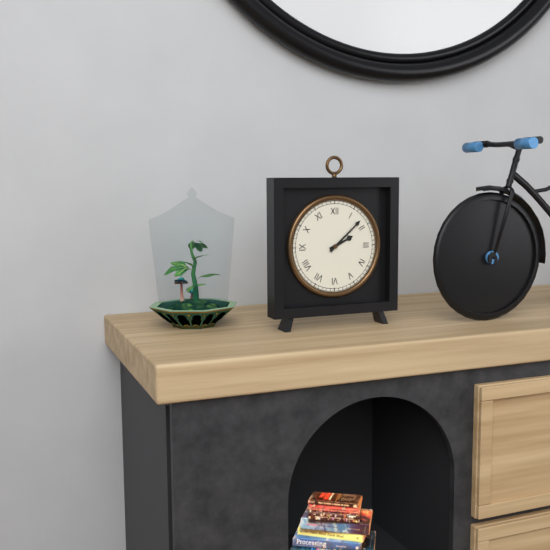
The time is 2:08
